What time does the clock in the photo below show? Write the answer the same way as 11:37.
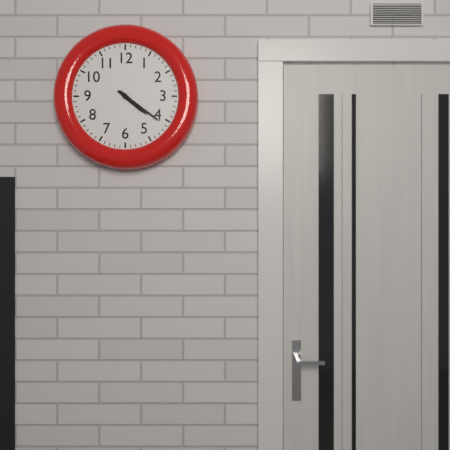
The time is 4:21
